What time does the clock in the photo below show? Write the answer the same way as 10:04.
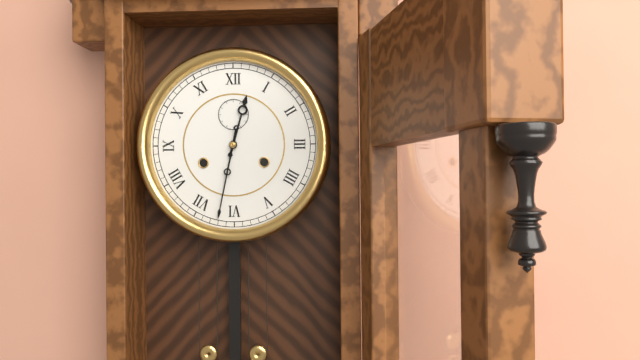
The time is 12:32
